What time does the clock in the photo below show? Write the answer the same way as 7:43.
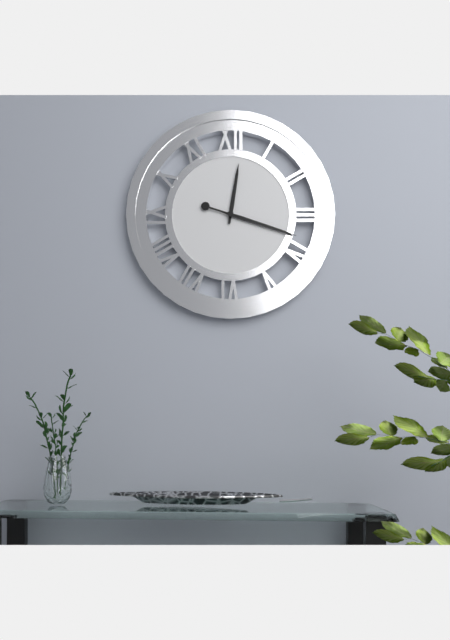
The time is 12:18
